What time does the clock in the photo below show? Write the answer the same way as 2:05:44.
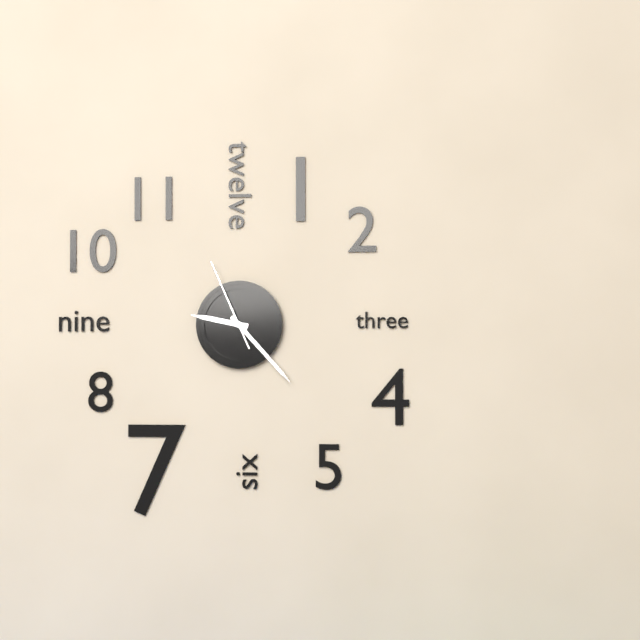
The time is 9:23:56
